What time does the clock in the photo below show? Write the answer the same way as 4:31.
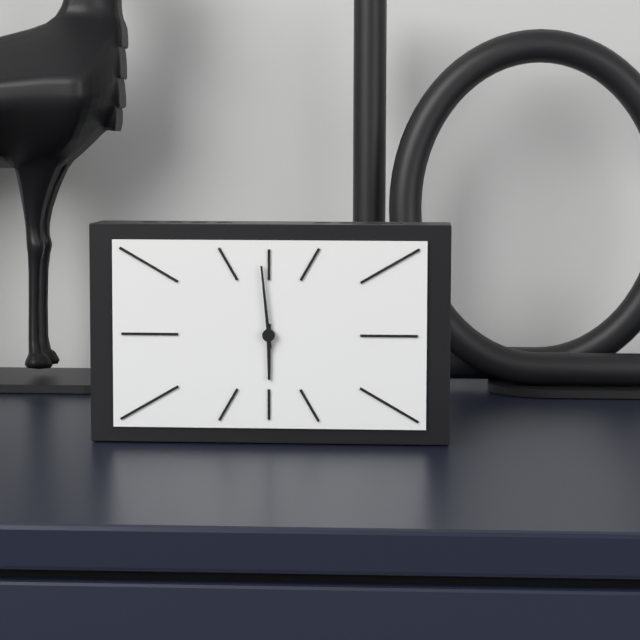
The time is 5:59
